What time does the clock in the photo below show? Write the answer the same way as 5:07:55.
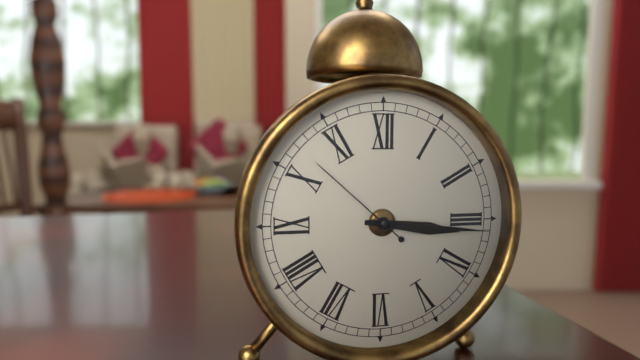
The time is 3:16:52
